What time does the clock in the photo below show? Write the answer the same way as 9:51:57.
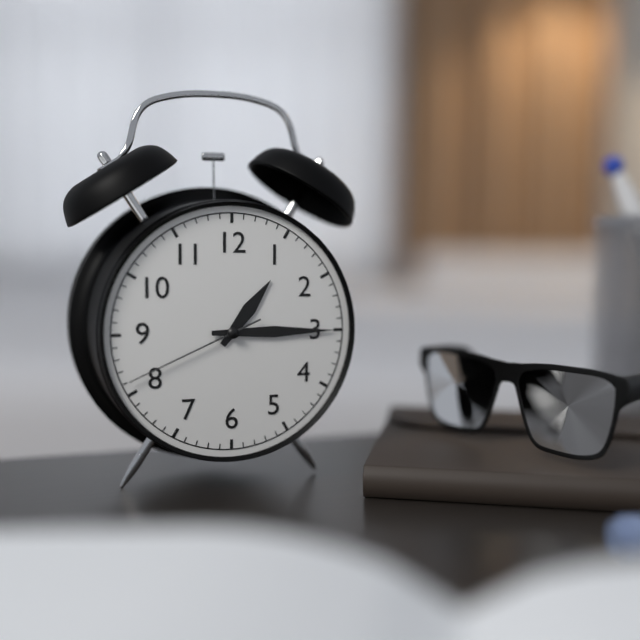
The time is 1:15:41
